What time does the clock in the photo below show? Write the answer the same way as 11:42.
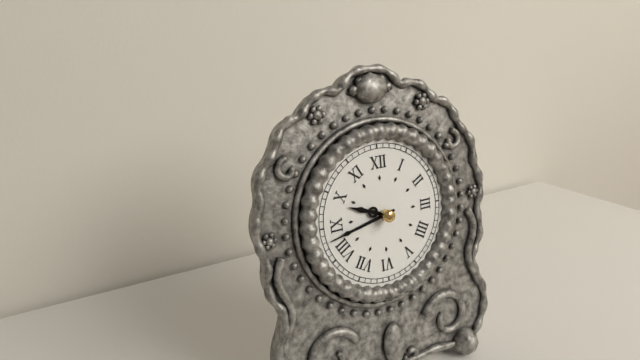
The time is 9:43
